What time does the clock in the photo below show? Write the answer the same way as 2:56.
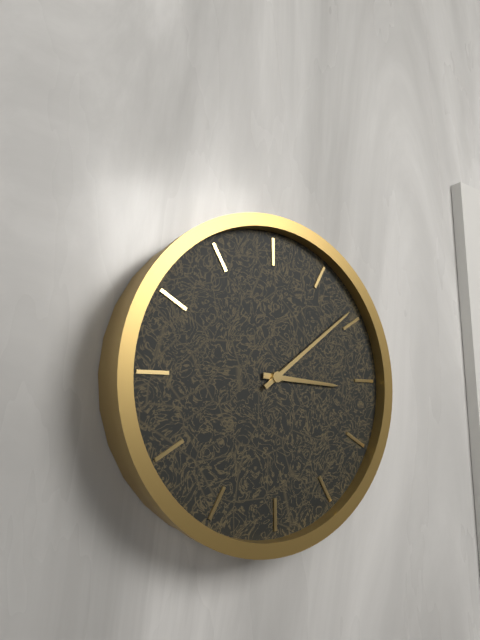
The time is 3:09
